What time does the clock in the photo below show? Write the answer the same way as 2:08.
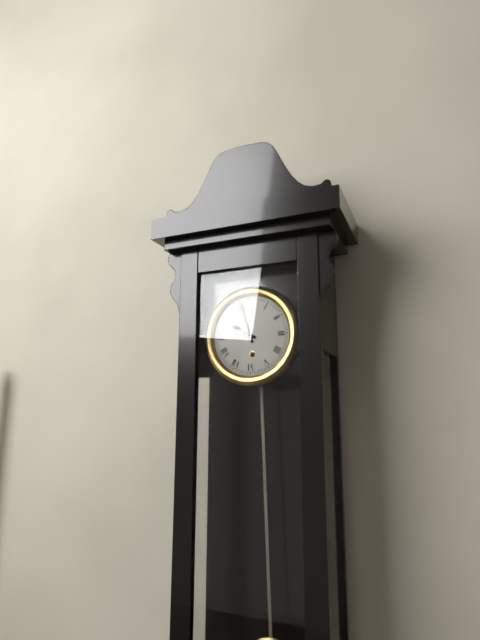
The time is 9:57
